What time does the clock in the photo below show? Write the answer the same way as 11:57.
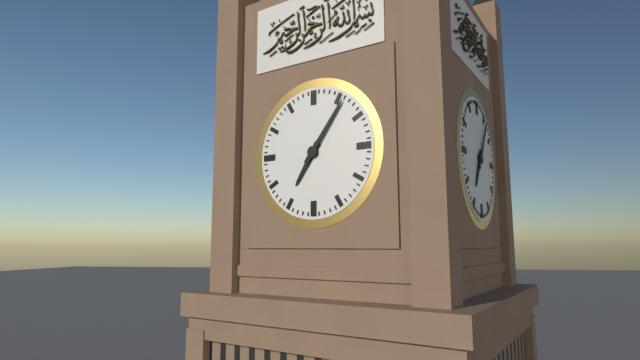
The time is 7:06
